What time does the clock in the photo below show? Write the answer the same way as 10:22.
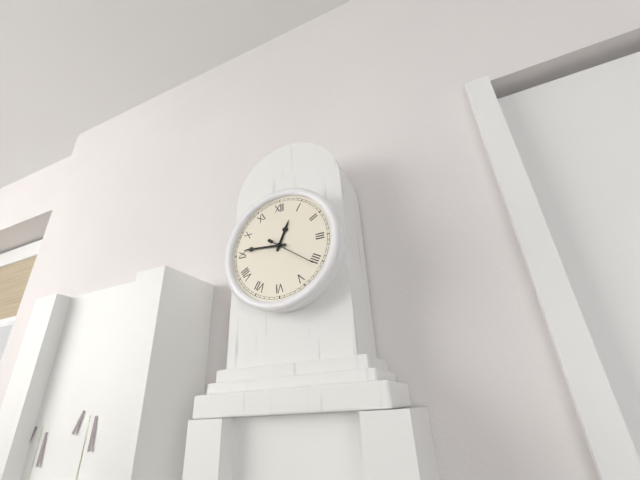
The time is 12:46
